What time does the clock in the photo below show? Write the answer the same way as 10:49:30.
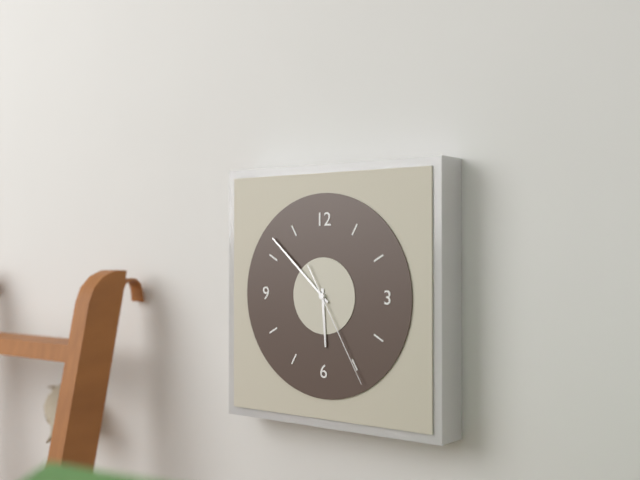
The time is 5:52:25
